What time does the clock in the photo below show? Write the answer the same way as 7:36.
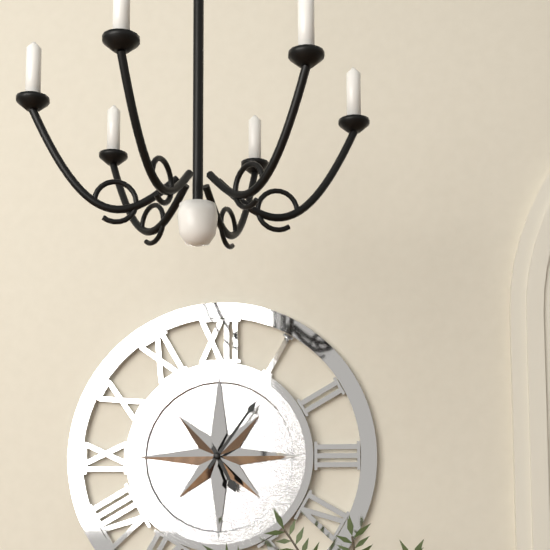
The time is 5:06
